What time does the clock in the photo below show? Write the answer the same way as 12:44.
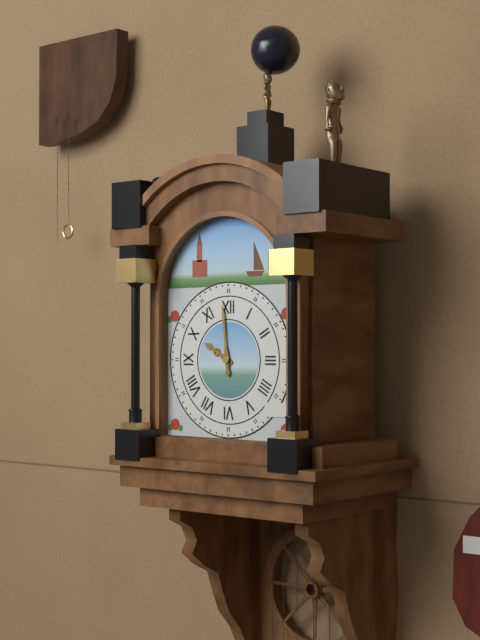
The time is 9:59
